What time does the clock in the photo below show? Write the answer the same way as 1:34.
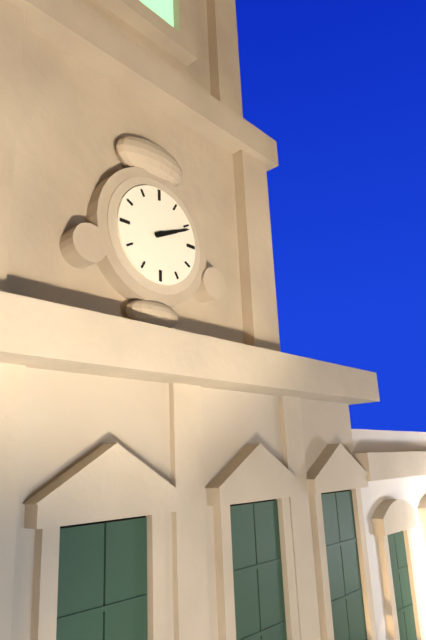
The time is 2:11
